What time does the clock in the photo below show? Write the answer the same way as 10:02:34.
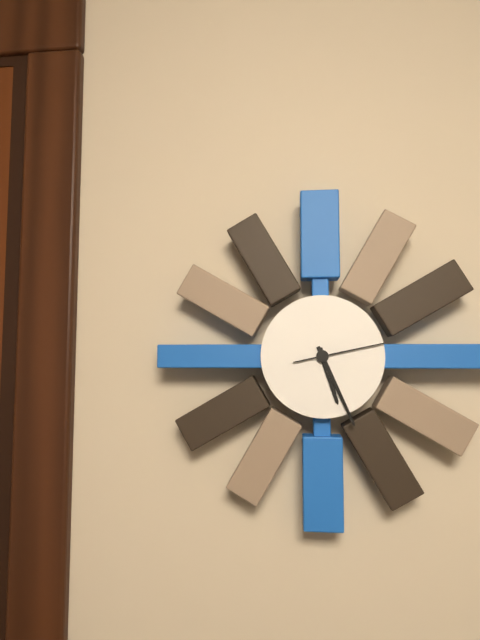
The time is 5:26:13
